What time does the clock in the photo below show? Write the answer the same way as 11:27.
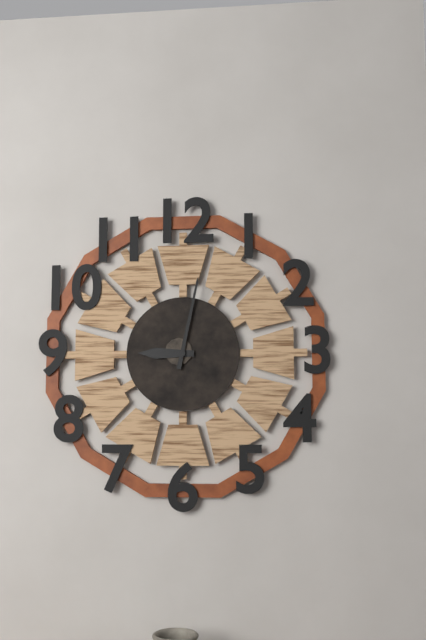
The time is 9:02
